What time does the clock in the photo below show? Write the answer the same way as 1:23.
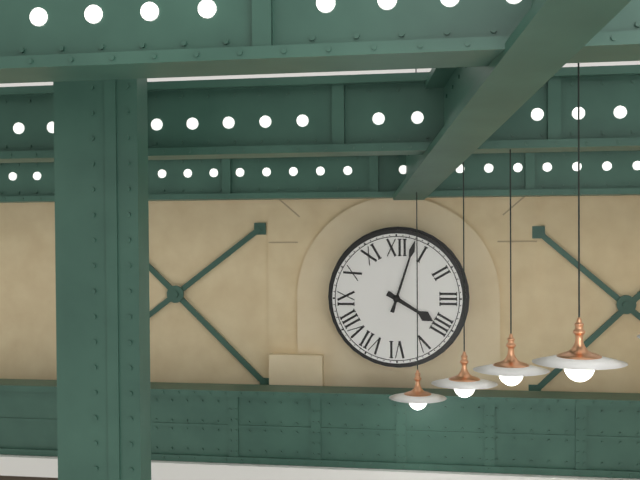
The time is 4:03
